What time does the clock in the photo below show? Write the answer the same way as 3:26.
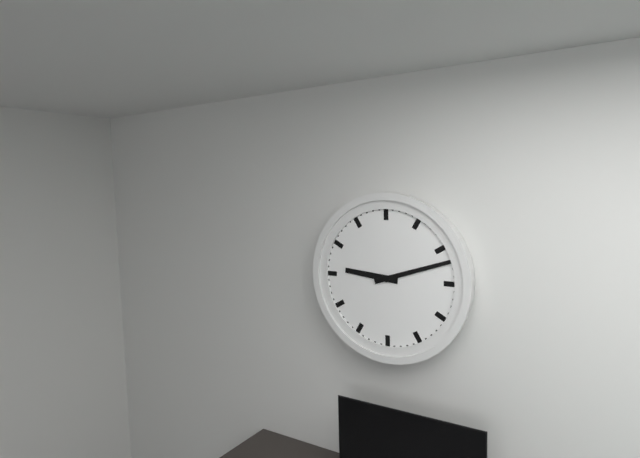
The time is 9:12
